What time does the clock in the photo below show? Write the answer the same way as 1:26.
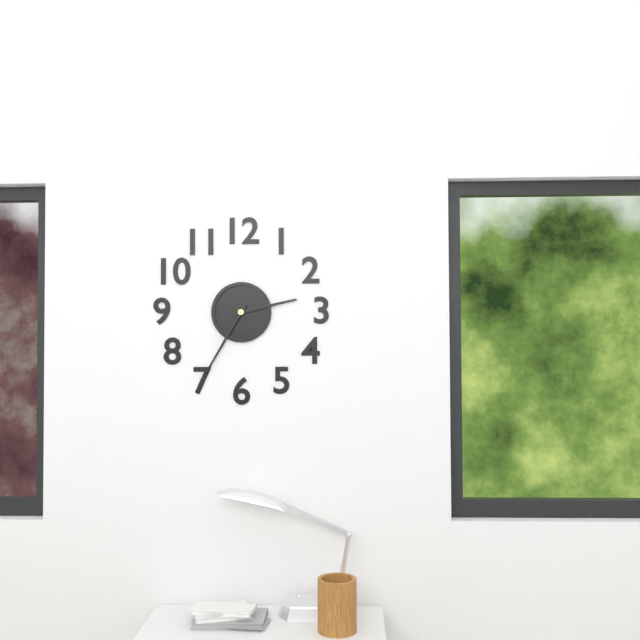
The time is 2:35
